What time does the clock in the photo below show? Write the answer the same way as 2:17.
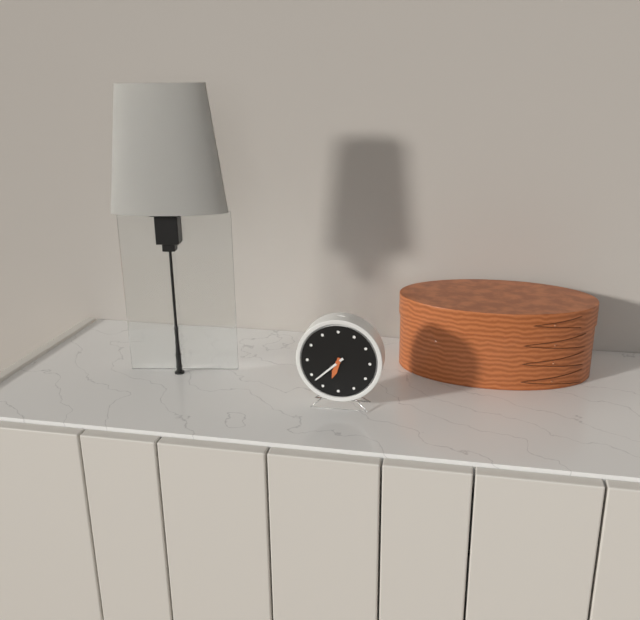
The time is 6:38
